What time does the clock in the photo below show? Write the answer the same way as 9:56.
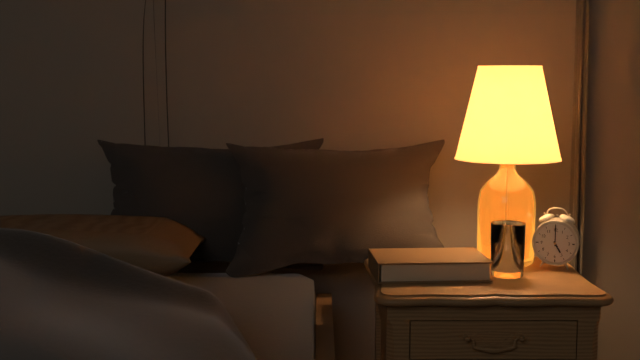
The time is 5:00
